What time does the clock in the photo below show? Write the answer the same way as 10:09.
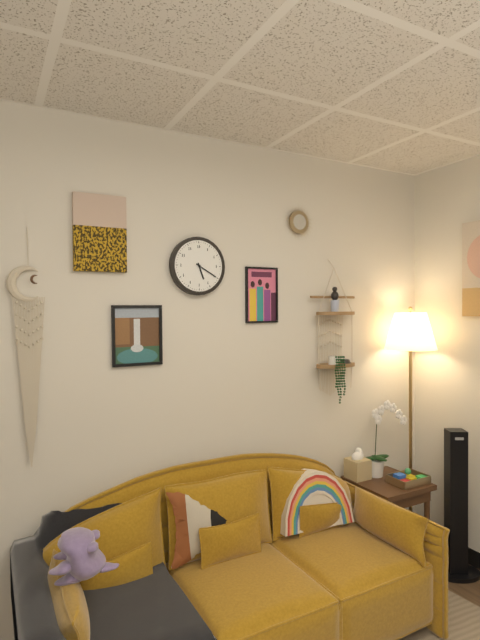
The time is 5:20
